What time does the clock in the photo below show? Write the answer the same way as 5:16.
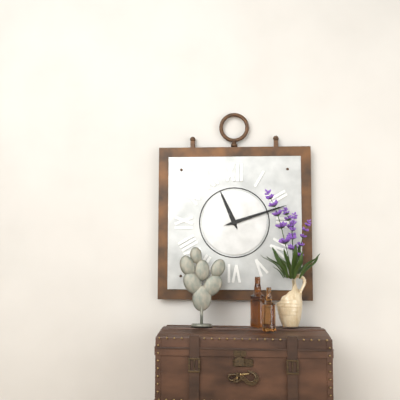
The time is 11:12
